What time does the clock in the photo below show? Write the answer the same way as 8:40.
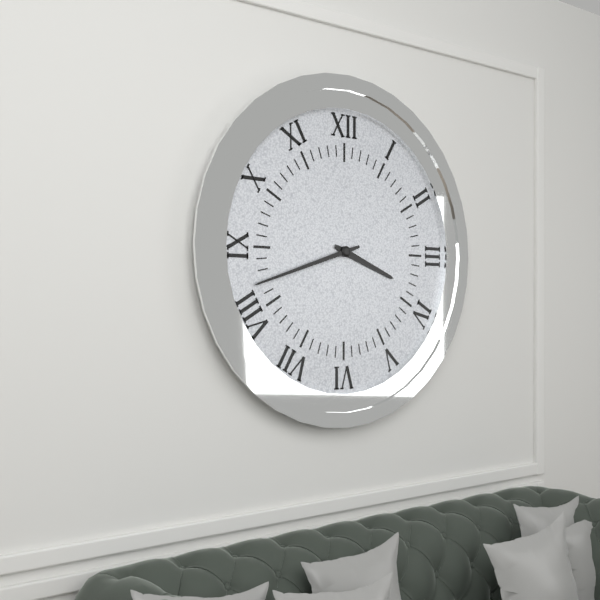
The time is 3:42
